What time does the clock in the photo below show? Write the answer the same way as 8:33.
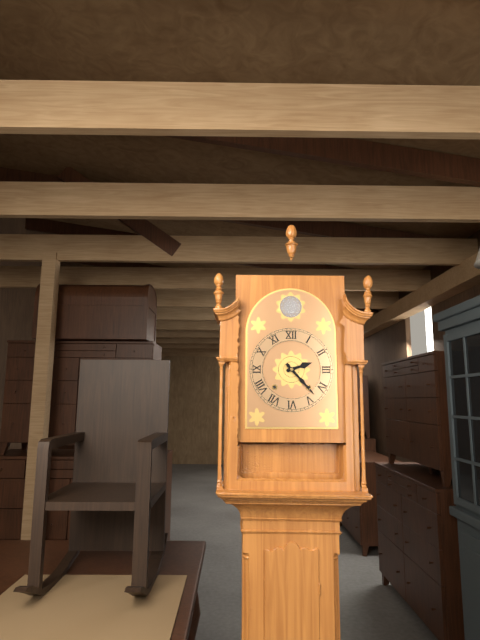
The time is 2:23
